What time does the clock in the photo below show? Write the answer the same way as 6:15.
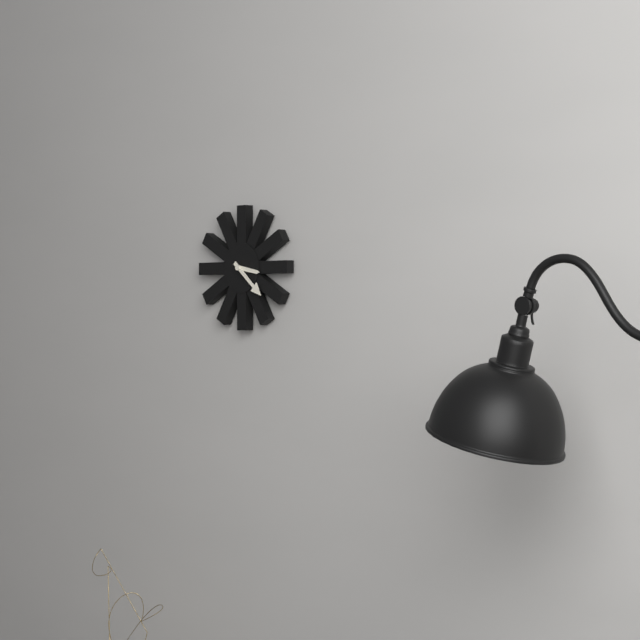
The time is 3:22
